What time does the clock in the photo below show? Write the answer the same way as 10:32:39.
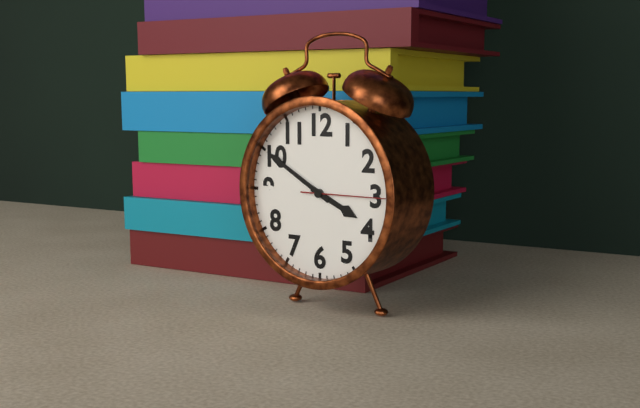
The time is 3:50:15
